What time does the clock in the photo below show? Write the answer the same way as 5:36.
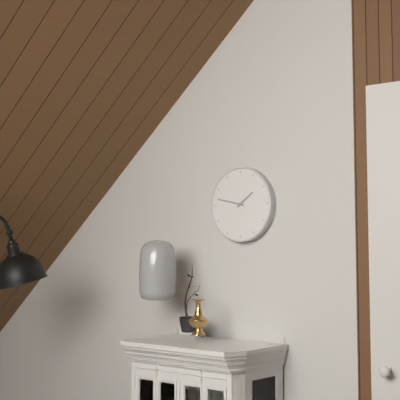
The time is 1:47
